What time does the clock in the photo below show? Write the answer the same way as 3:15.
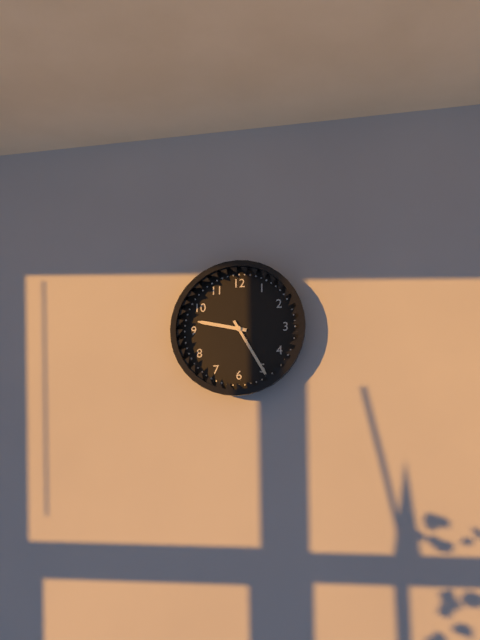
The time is 9:25
